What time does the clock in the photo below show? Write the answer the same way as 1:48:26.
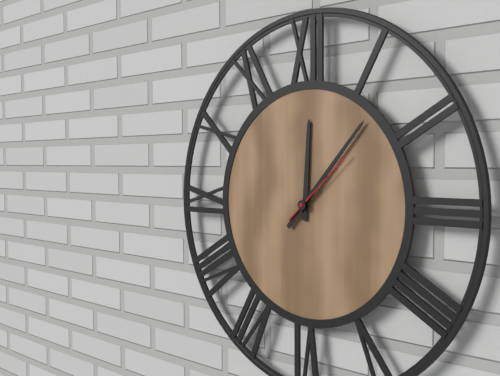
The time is 12:07:08
